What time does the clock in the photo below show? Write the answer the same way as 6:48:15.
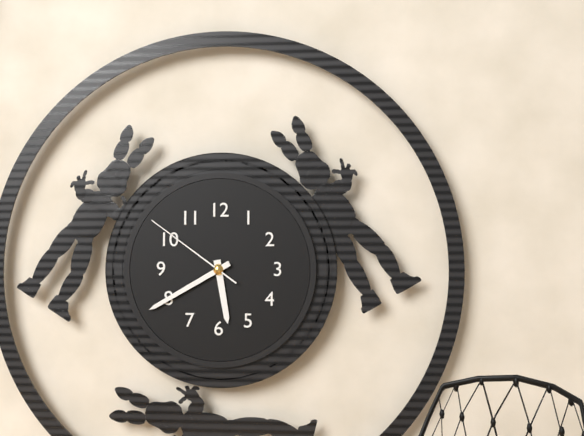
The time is 5:40:51
